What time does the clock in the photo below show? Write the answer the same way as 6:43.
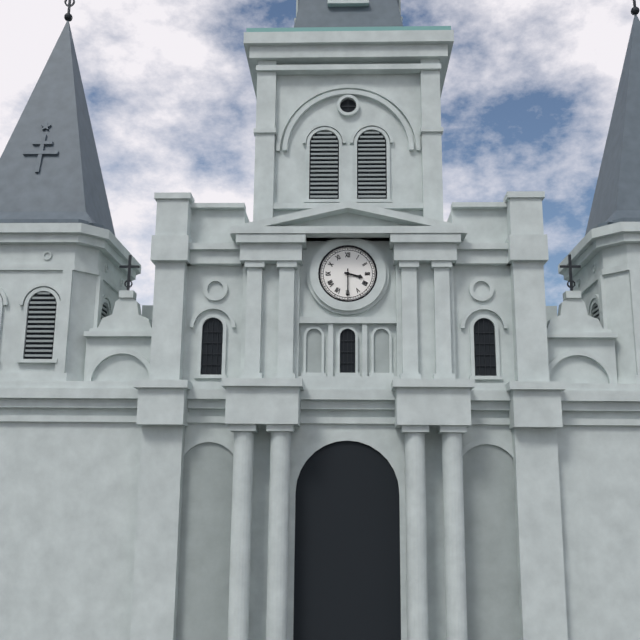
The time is 3:30
